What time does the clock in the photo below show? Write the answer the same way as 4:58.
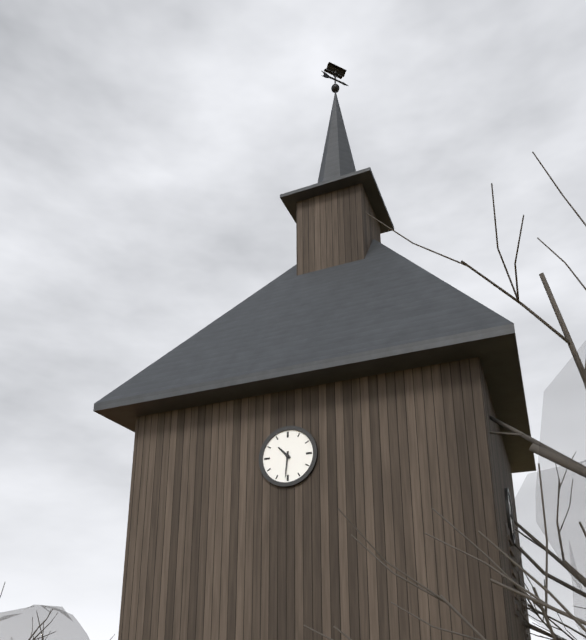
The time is 10:31
